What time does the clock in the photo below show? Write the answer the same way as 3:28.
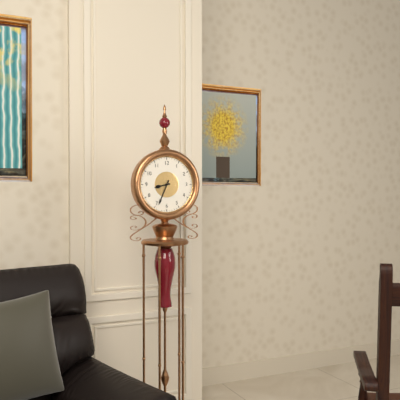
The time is 8:34
